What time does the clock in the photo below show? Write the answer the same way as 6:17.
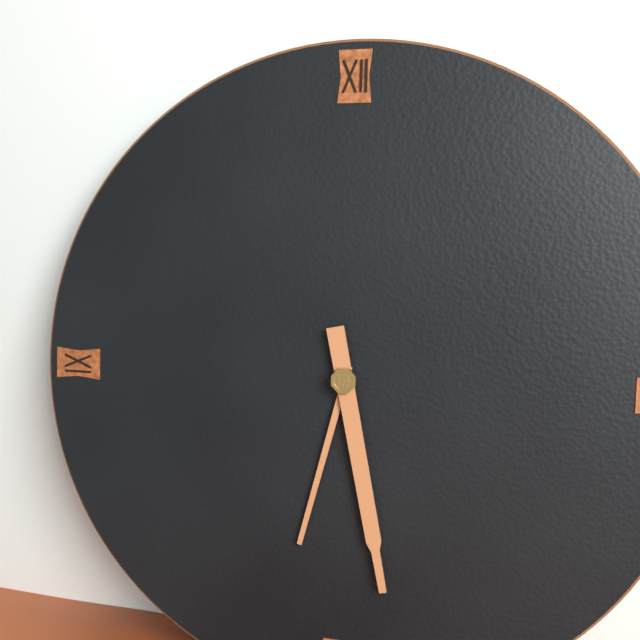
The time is 6:28
